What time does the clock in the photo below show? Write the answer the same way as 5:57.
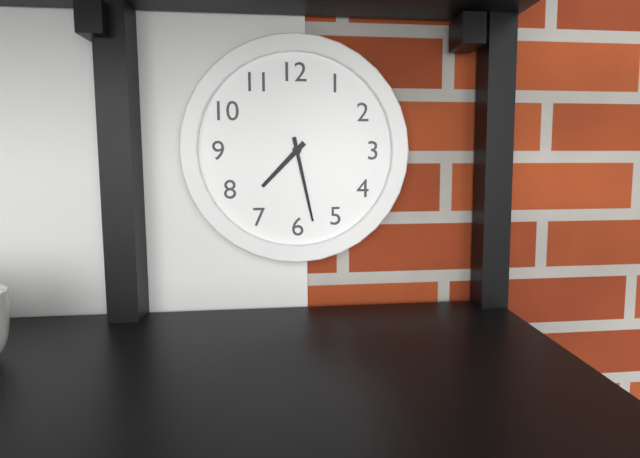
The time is 7:28
